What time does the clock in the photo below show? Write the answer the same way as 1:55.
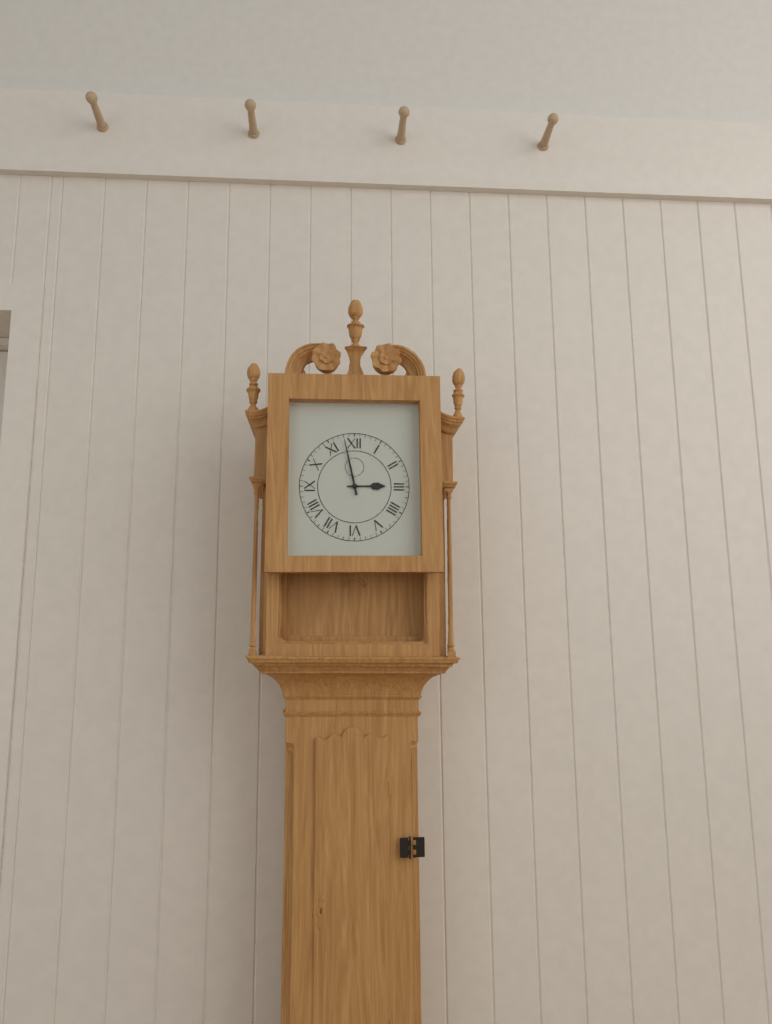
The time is 2:58
